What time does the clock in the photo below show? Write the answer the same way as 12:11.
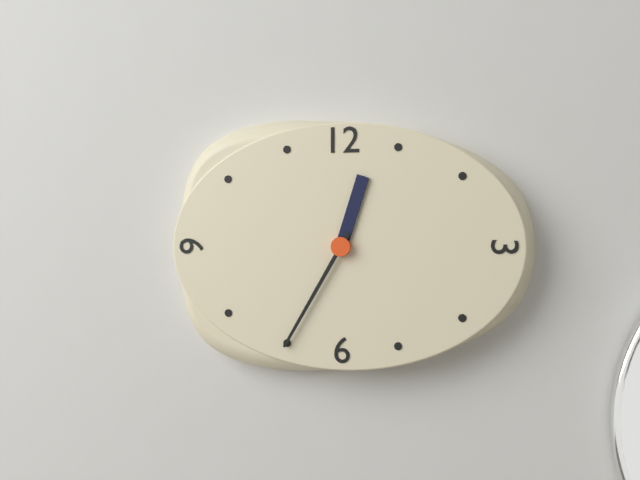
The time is 12:35
